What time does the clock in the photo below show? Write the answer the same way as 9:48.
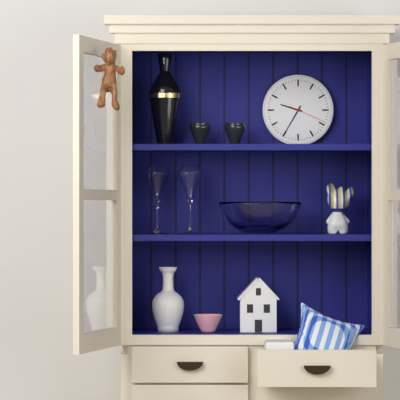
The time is 9:35
